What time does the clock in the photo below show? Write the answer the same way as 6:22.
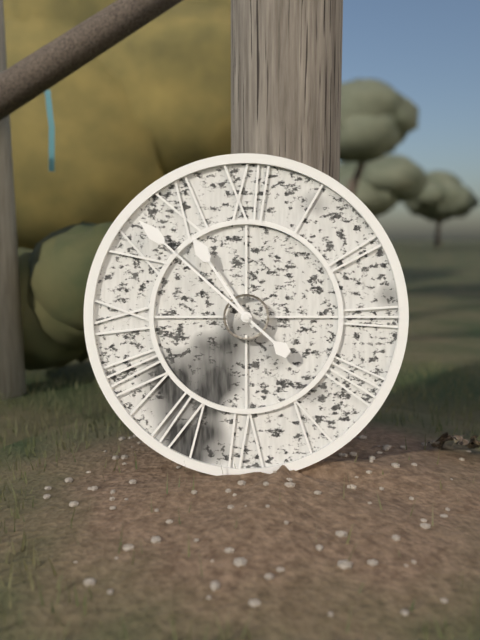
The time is 10:52
